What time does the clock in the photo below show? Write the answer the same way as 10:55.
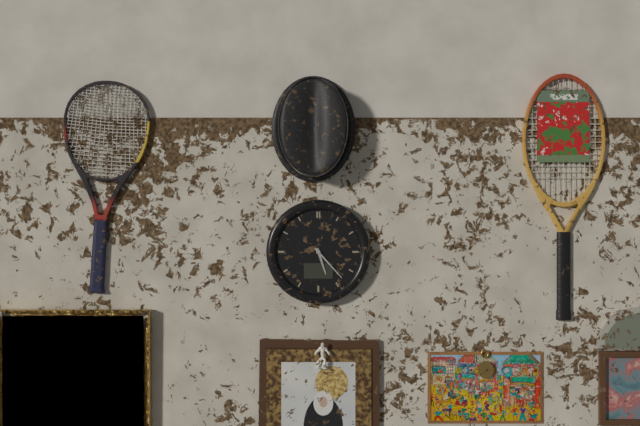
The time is 5:23
